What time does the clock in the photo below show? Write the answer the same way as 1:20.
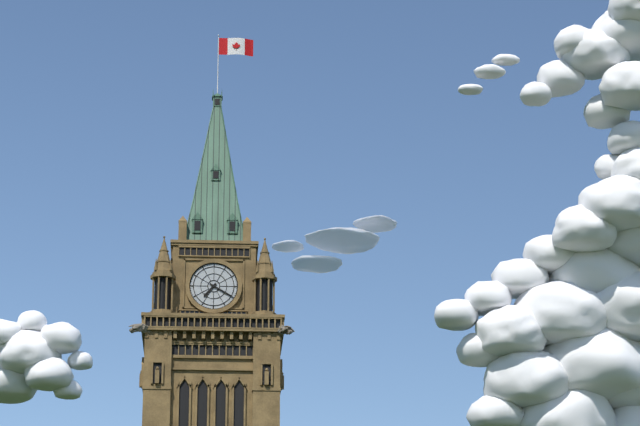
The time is 7:20
